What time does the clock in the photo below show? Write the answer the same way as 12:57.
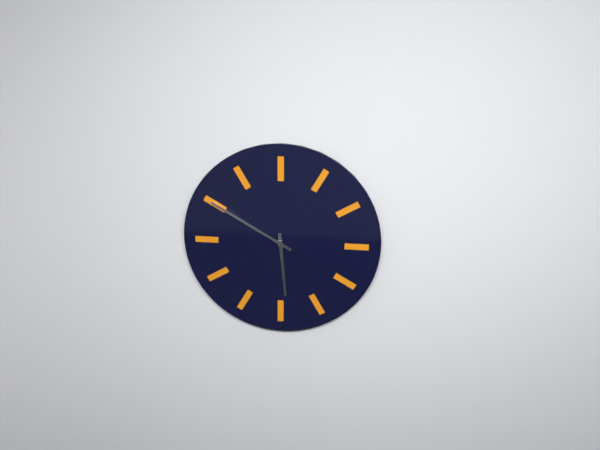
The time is 5:50
